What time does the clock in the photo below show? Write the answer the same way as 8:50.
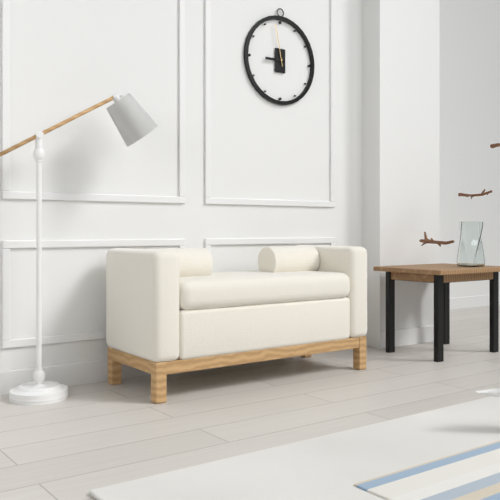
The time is 8:58
